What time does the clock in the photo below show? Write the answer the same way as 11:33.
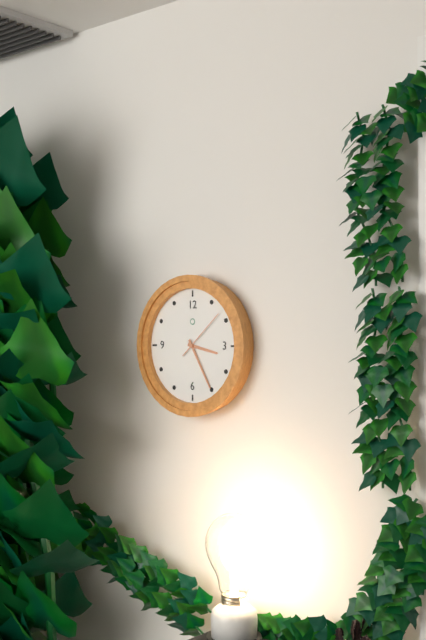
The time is 3:25
